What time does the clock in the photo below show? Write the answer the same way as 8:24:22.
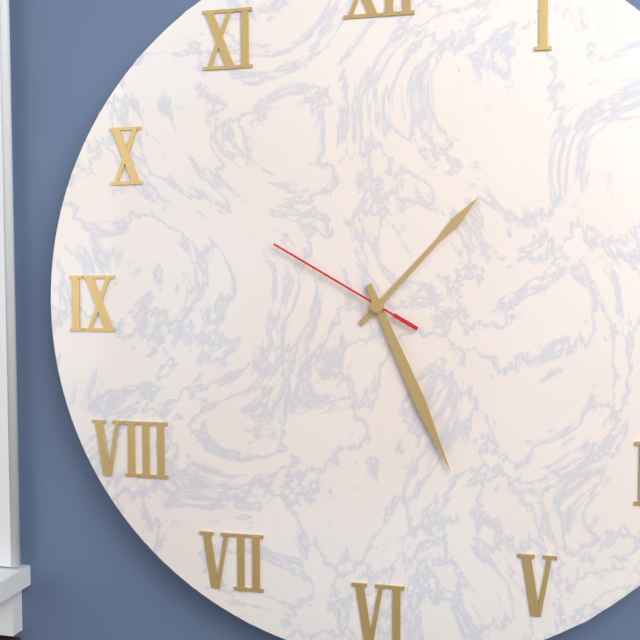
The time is 1:26:50
